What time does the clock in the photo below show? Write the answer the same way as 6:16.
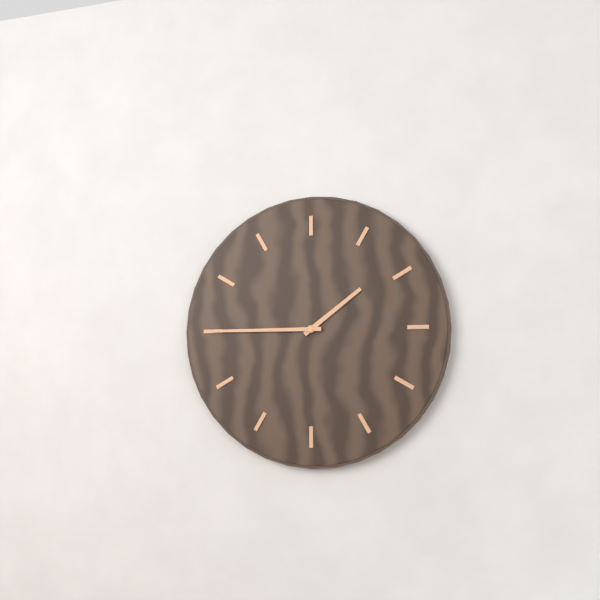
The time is 1:45
